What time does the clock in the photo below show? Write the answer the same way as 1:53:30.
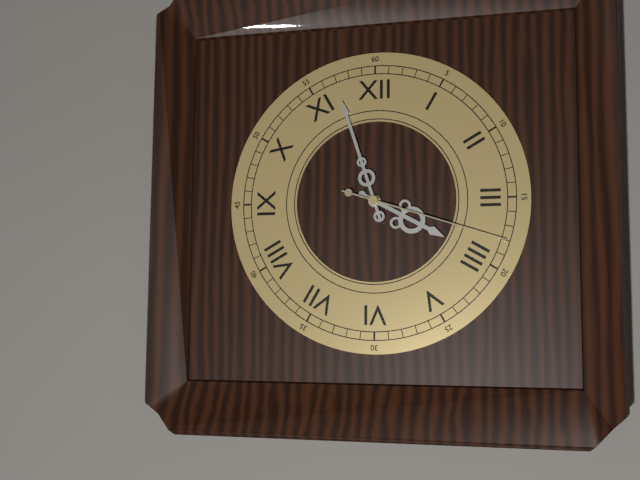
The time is 3:57:18
